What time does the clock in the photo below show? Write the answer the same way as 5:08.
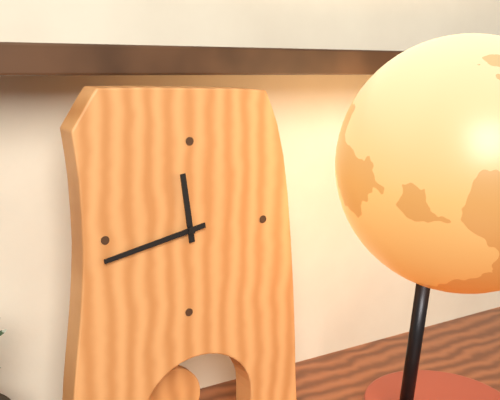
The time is 11:43
